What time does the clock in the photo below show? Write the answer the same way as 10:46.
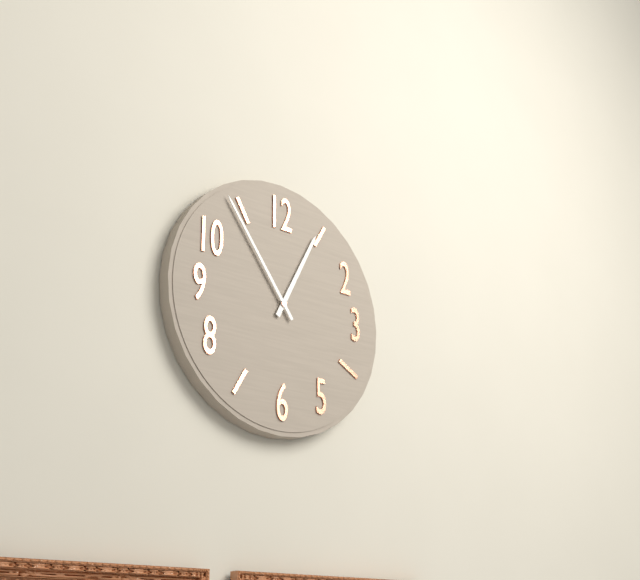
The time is 12:54
